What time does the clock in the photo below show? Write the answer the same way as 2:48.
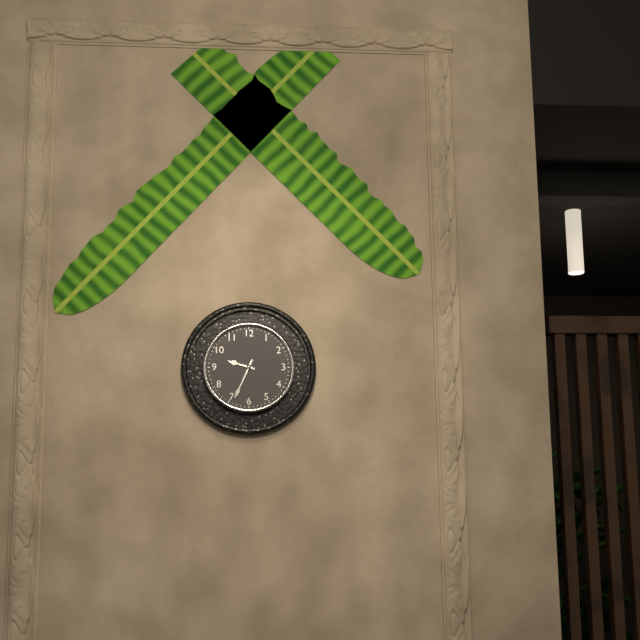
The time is 9:34
